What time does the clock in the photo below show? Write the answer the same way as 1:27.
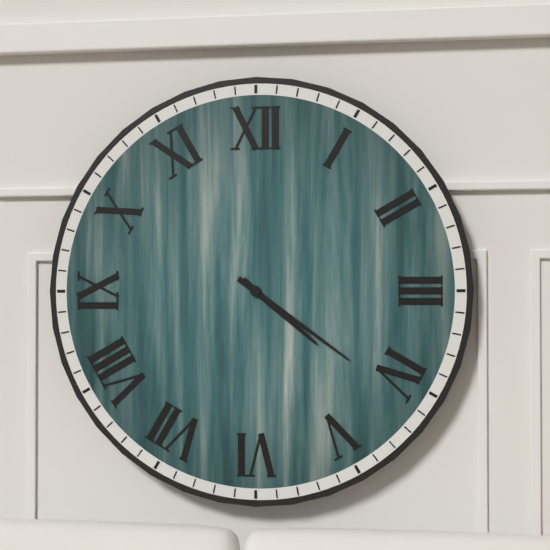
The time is 4:21
